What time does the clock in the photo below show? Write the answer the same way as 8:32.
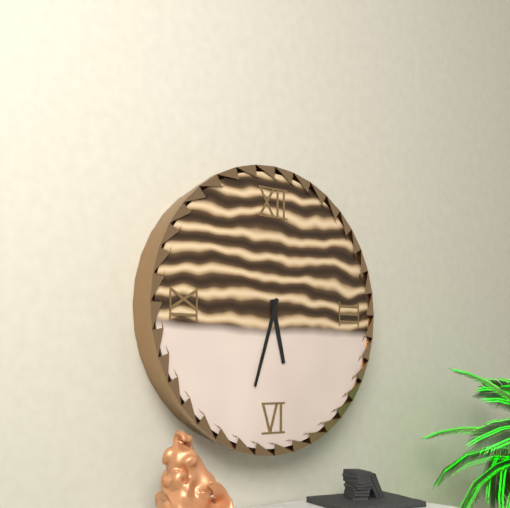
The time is 5:33
